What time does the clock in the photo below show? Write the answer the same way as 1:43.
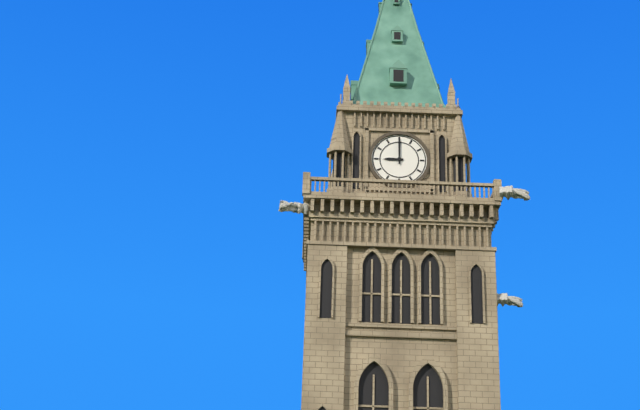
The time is 9:00
